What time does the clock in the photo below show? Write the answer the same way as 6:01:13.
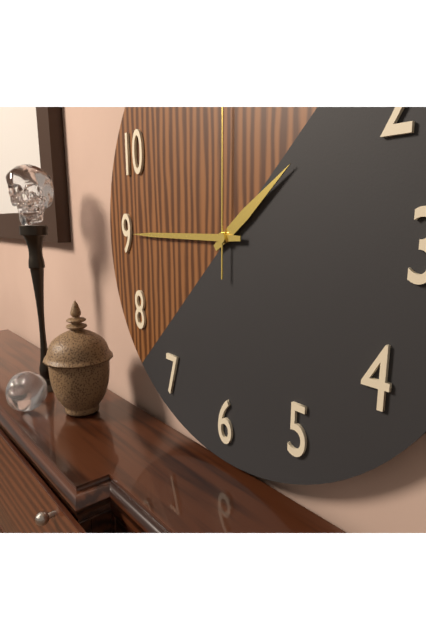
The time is 1:45:00
